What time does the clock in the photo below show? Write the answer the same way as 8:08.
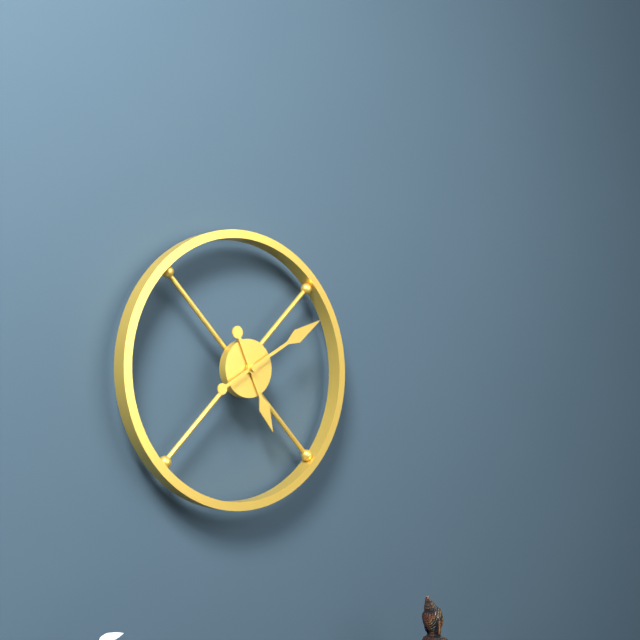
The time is 5:10
